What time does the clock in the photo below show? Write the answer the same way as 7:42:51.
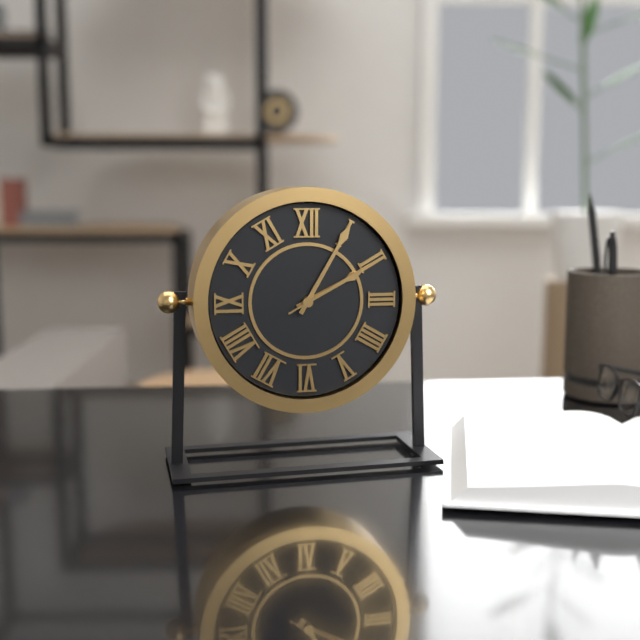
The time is 2:05:10
